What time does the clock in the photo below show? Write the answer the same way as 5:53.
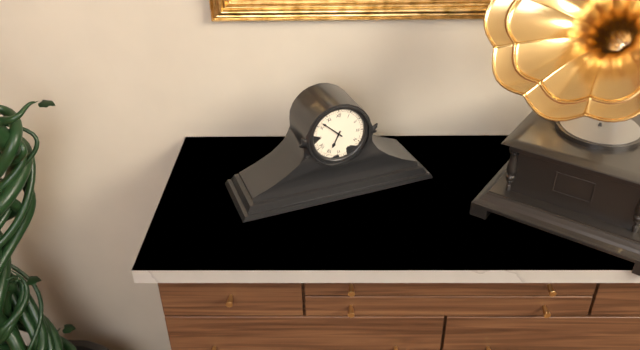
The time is 6:52
